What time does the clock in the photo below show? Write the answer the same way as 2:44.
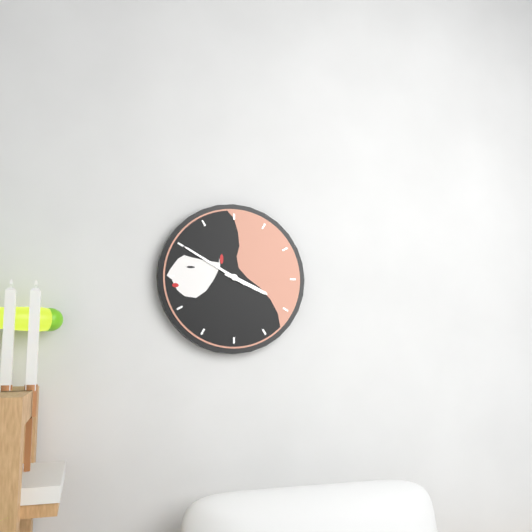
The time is 3:50
